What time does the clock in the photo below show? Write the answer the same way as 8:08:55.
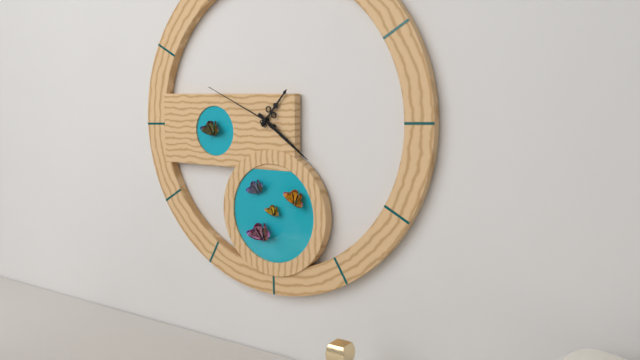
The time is 1:21:49
